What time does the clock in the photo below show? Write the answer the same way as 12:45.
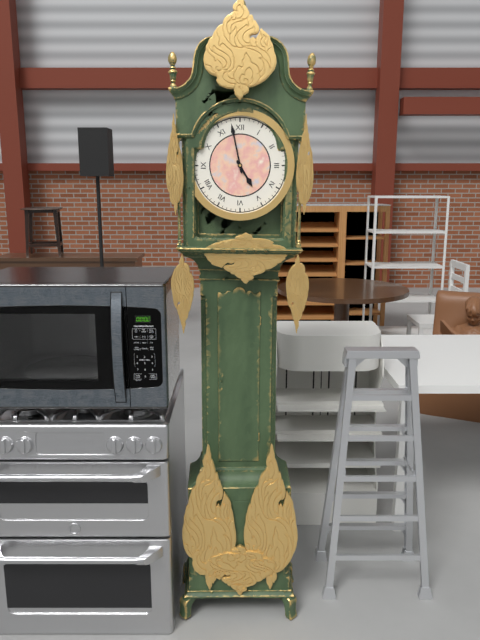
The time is 4:58
